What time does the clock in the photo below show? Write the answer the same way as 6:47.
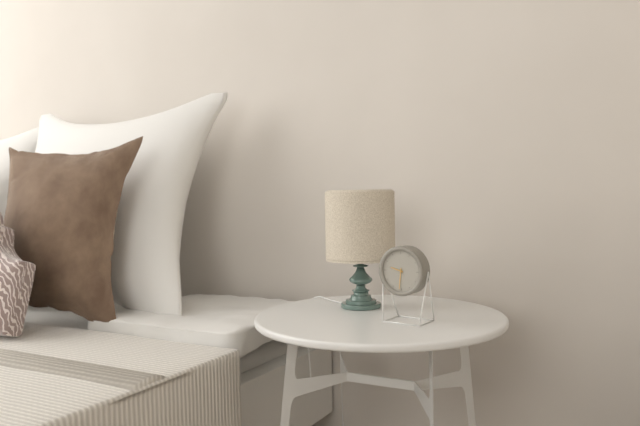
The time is 9:31
